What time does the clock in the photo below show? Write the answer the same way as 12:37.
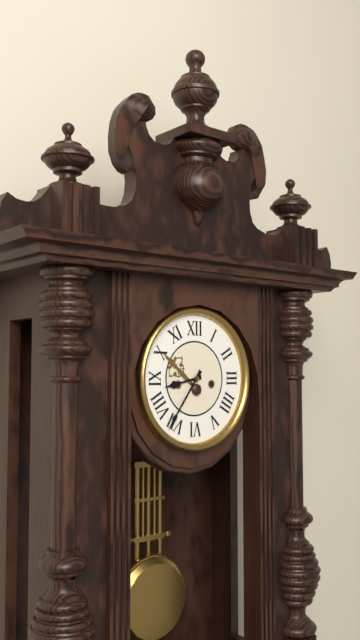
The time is 8:36
